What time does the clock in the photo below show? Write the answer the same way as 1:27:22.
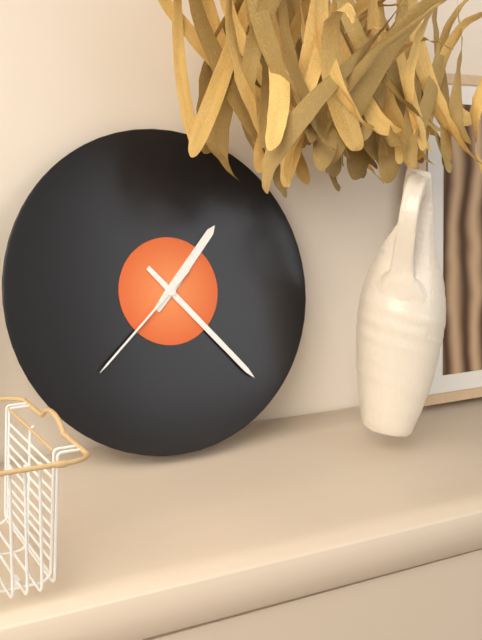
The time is 1:23:38
